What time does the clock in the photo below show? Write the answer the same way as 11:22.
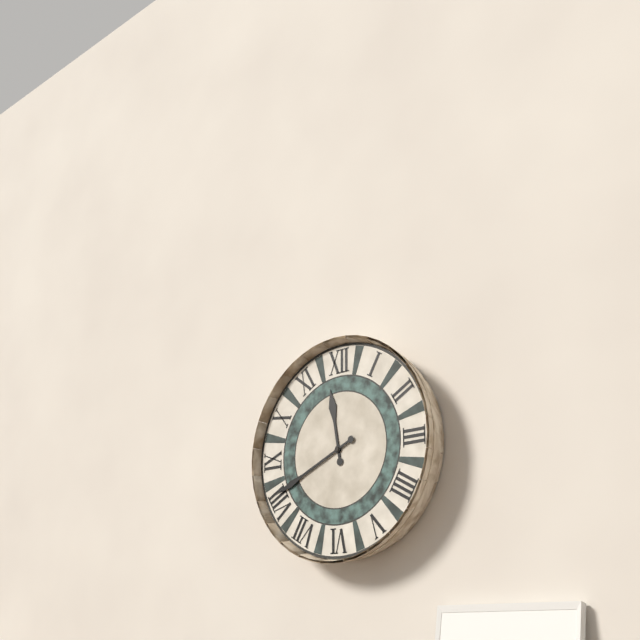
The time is 11:41
